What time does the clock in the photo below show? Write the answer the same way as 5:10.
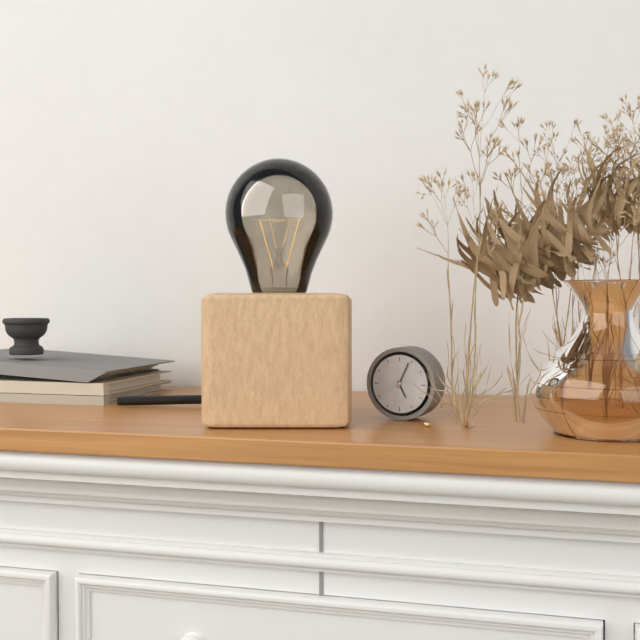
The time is 5:04
